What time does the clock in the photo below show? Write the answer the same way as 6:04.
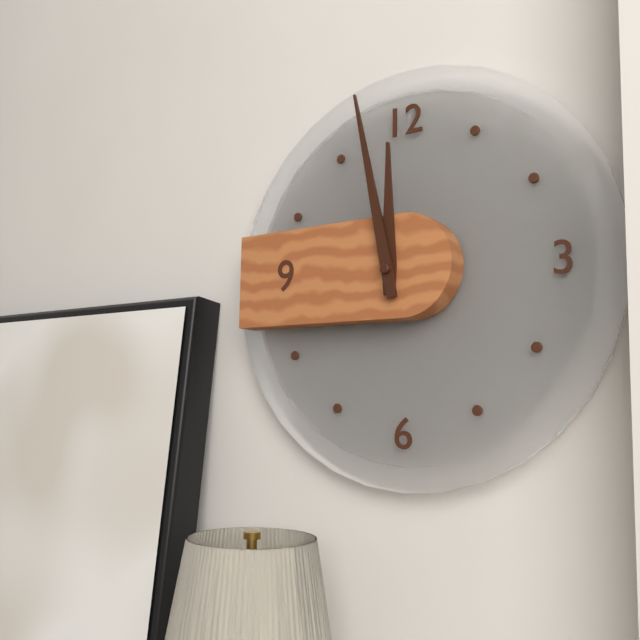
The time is 11:58
